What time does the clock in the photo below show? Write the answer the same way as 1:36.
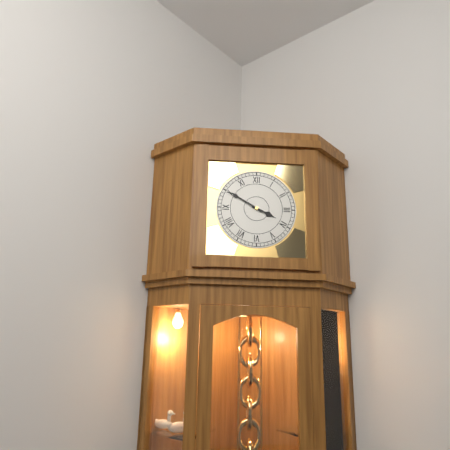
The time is 3:50
